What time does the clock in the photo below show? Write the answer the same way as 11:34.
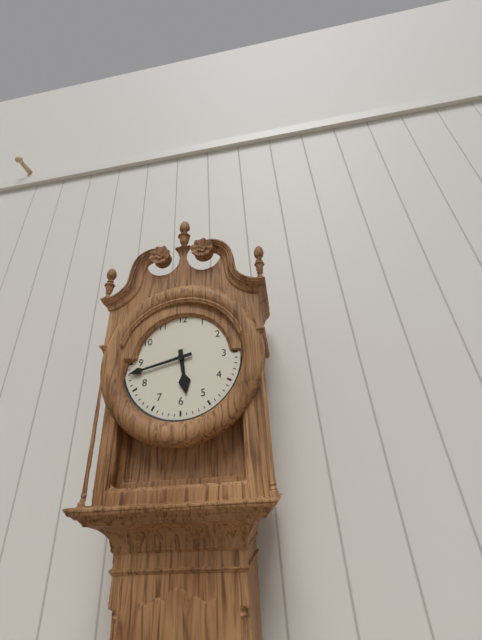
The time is 5:43
